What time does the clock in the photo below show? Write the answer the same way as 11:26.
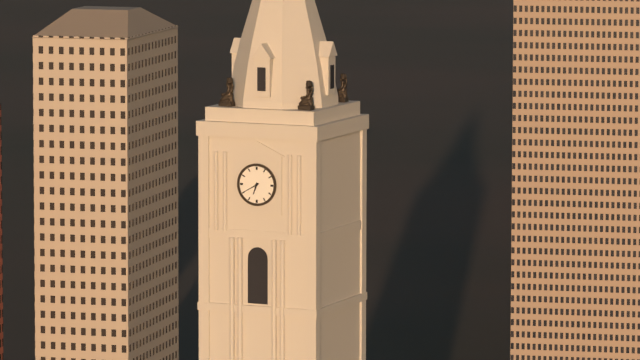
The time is 6:40
